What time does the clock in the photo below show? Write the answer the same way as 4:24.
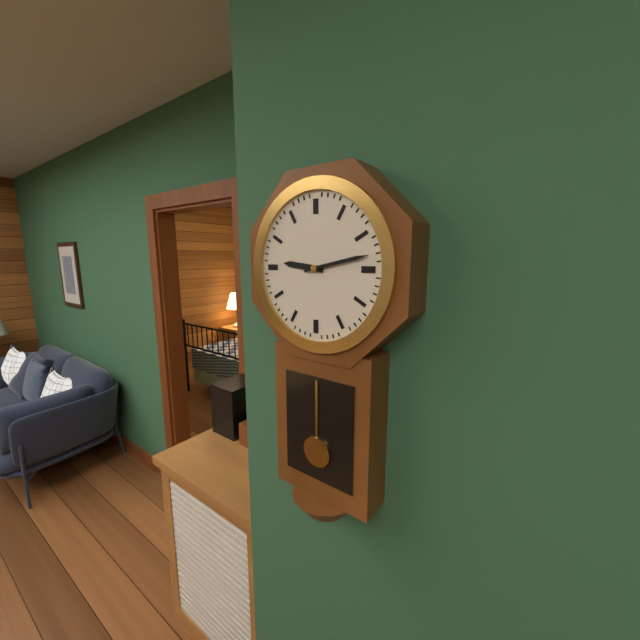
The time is 9:13
